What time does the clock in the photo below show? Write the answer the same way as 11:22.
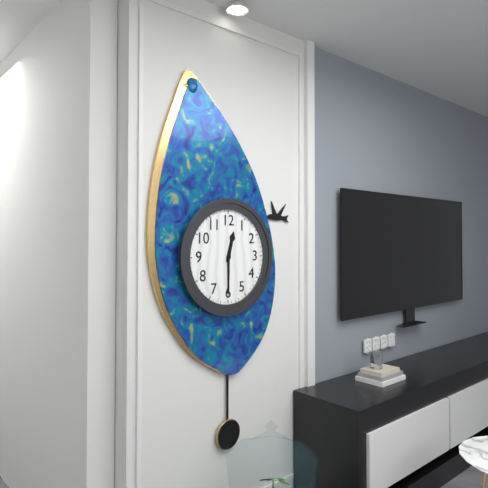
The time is 12:30
